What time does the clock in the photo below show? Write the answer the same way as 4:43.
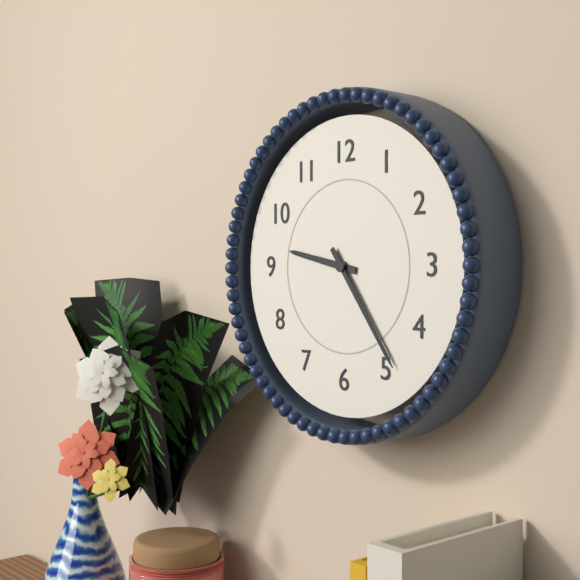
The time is 9:24
